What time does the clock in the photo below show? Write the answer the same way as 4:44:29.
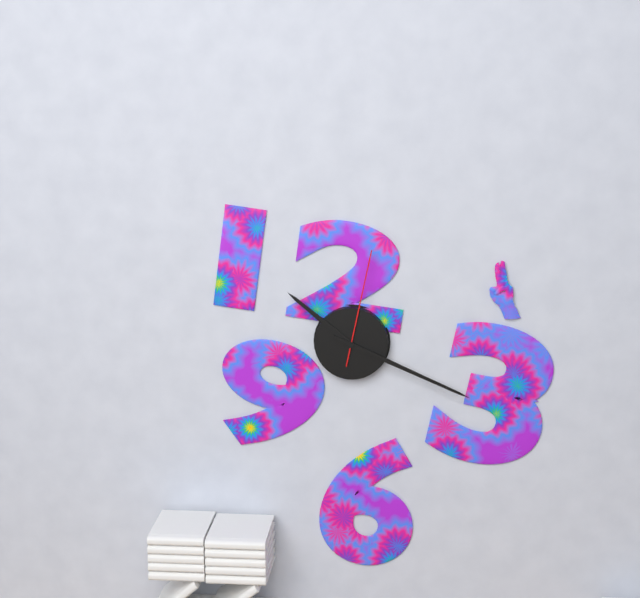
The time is 10:19:02
